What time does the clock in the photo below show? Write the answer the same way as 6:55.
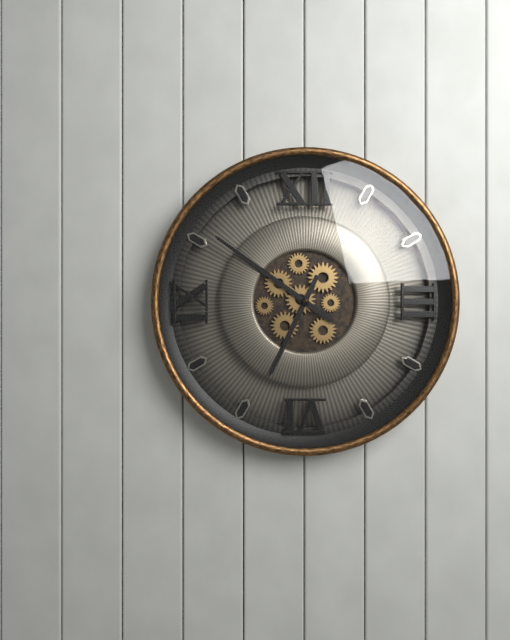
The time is 6:51
